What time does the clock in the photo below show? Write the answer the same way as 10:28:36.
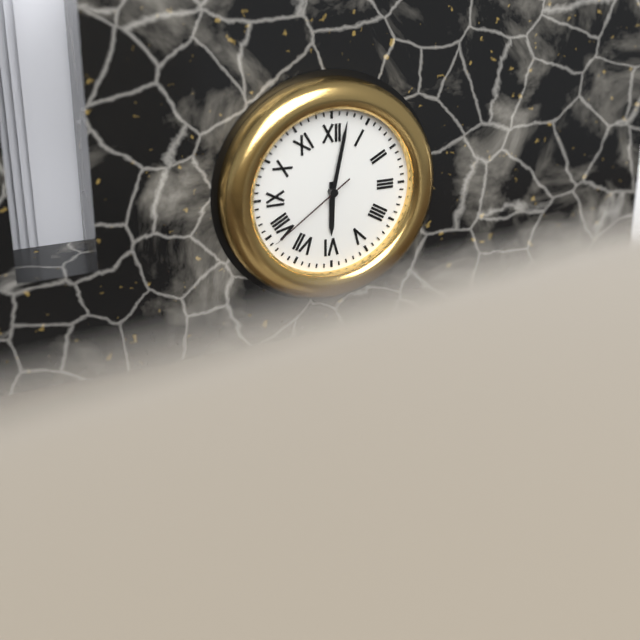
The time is 6:02:39
